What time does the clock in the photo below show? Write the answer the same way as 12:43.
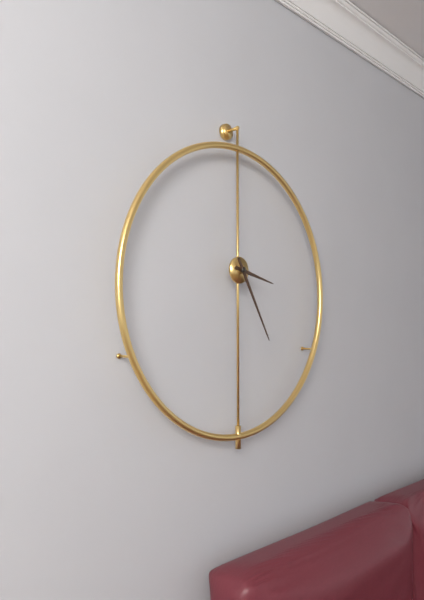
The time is 3:25
